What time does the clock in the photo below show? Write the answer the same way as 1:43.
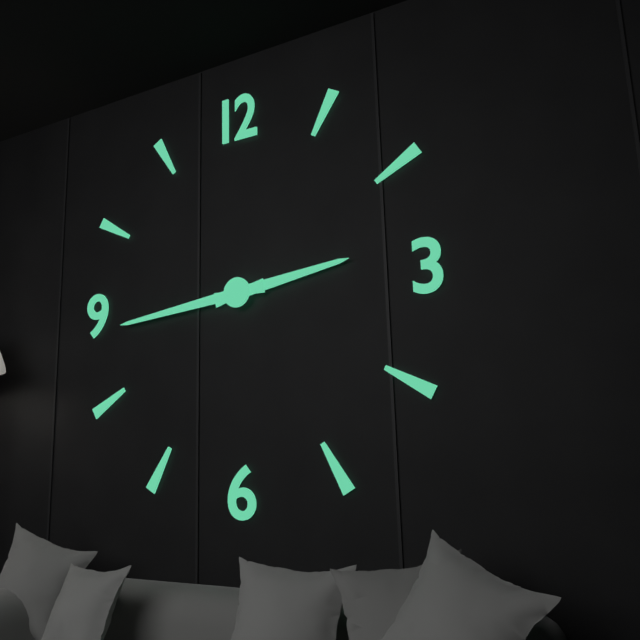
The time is 2:44
